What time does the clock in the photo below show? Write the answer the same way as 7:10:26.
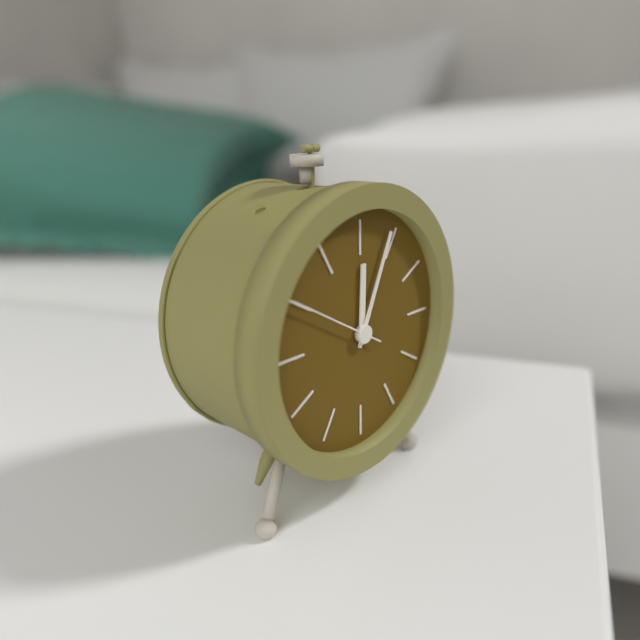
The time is 12:04:50
